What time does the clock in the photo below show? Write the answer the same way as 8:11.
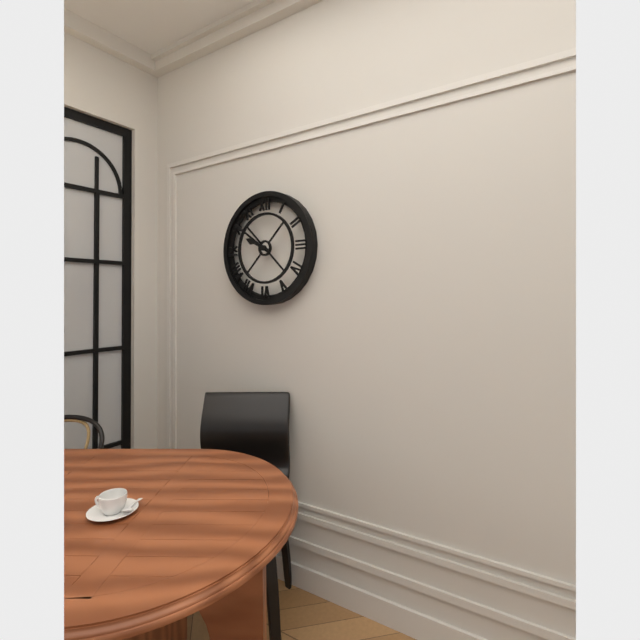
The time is 9:51
